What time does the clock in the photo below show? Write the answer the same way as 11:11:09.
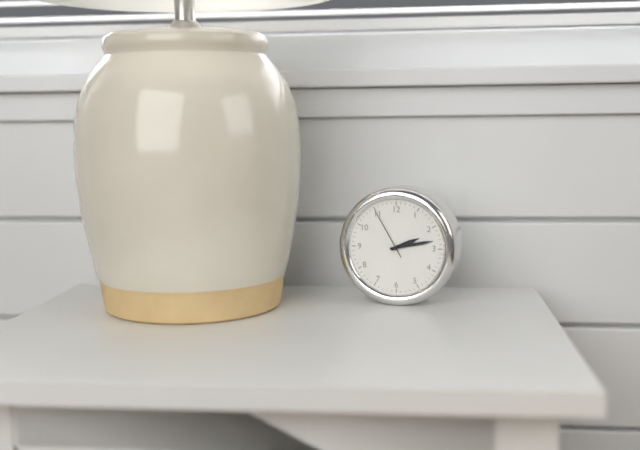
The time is 2:13:55
